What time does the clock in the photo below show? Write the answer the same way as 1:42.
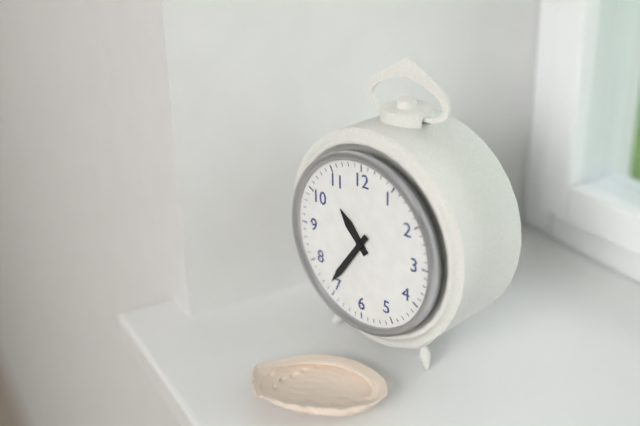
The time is 10:36
